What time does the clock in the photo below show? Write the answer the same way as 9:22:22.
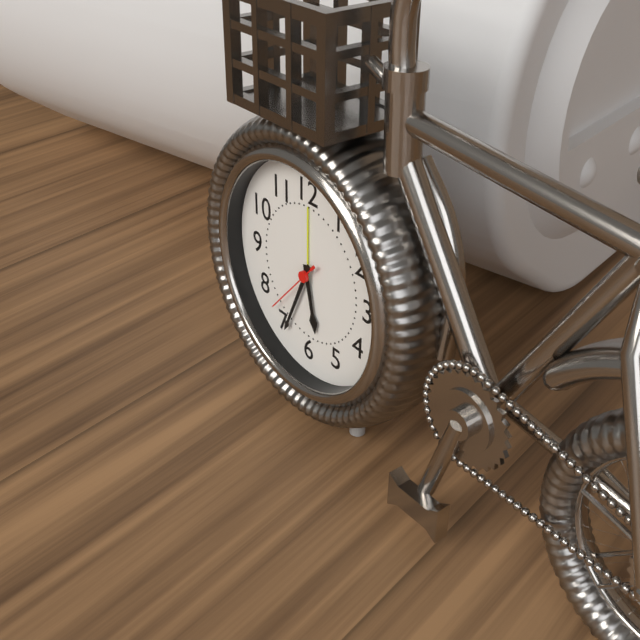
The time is 5:34:37
